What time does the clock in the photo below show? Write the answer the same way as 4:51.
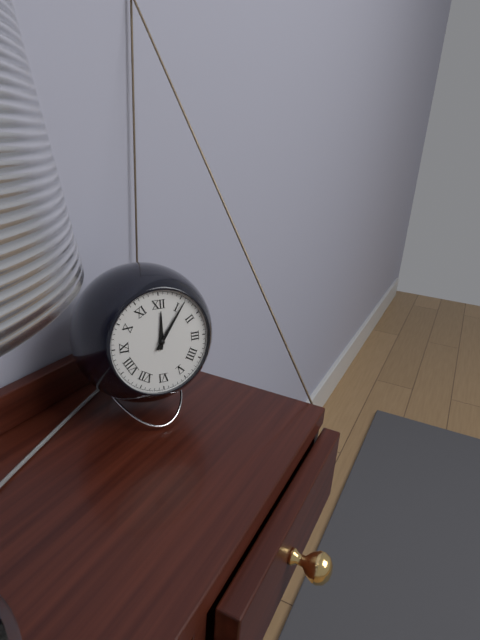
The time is 12:06
